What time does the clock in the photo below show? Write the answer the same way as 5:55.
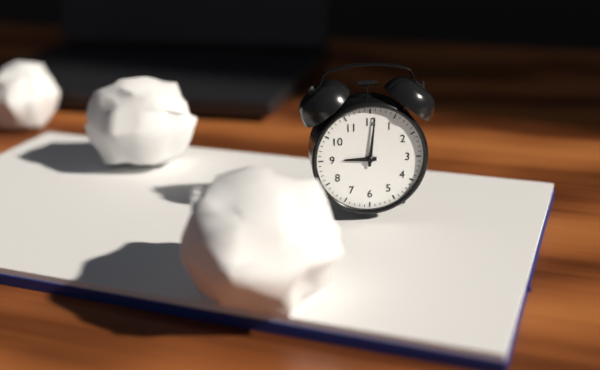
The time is 9:01
